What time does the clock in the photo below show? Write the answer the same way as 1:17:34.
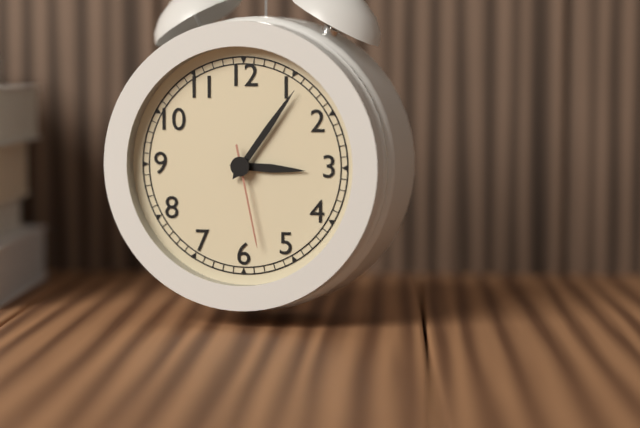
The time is 3:06:28
